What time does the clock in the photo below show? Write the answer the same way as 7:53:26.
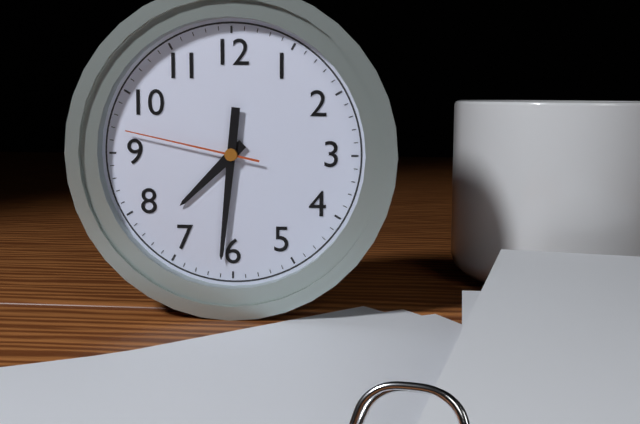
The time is 7:31:47
